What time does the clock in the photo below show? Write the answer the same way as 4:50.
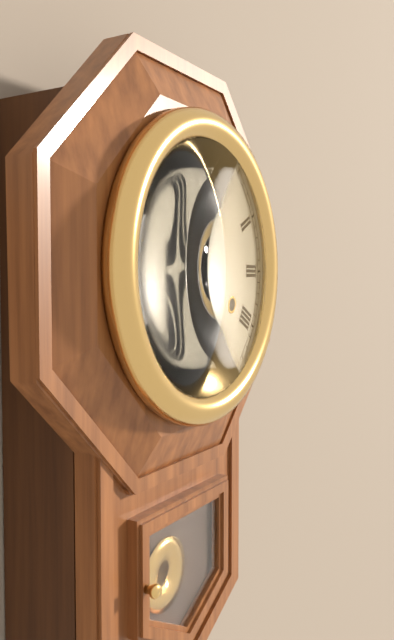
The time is 5:36
